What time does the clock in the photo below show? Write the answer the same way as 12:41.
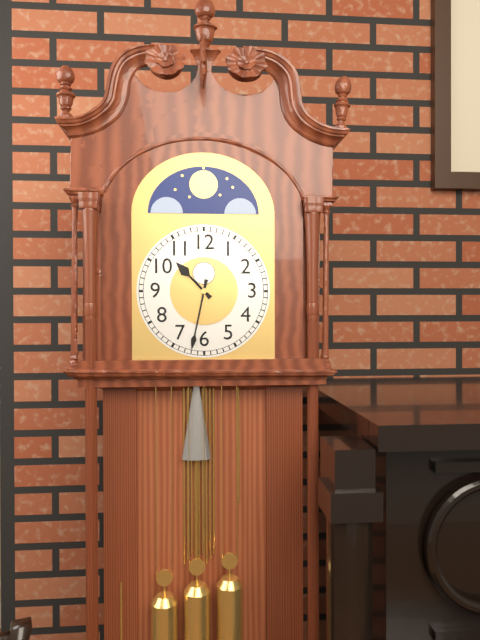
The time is 10:32
